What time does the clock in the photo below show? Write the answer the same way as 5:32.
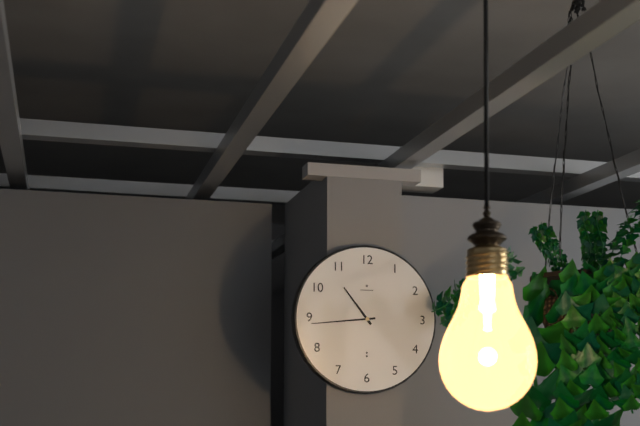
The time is 10:44
